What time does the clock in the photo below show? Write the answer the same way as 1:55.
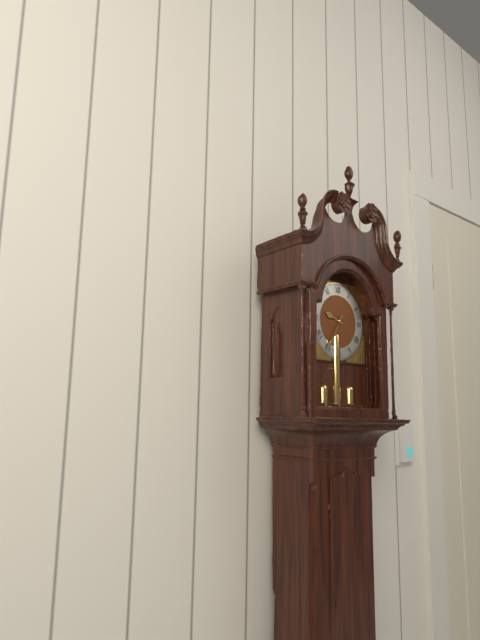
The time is 9:35
